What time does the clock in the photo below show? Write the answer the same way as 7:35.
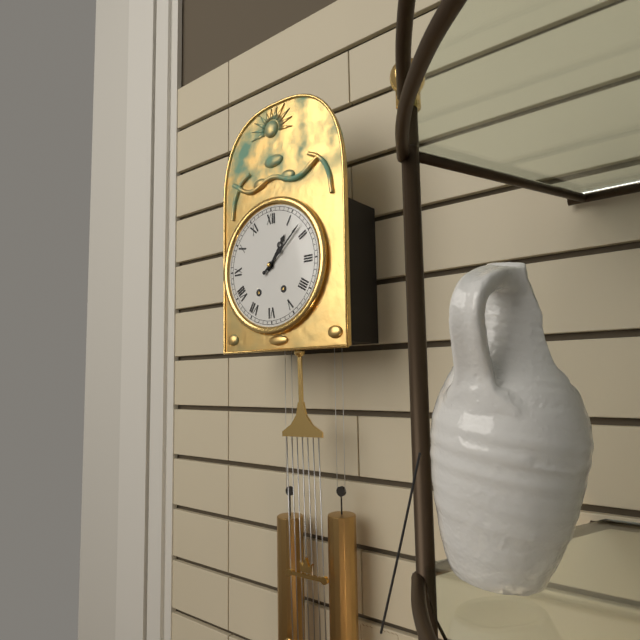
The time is 1:08
